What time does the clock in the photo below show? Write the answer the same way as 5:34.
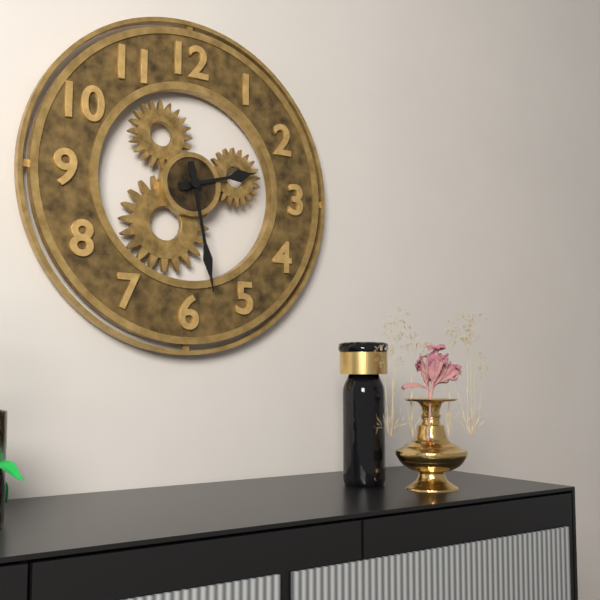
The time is 2:28
